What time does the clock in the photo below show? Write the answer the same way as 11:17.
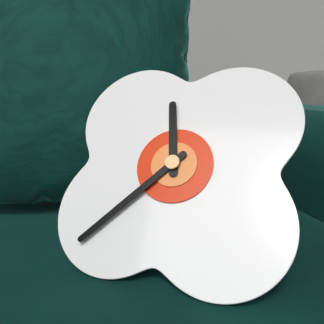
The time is 11:37
